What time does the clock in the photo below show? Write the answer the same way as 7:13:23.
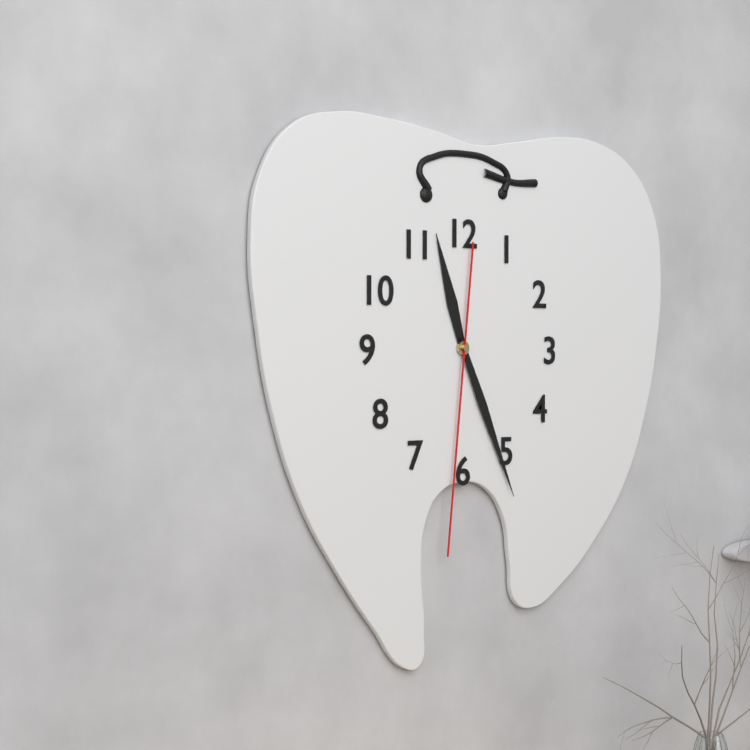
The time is 11:26:31
